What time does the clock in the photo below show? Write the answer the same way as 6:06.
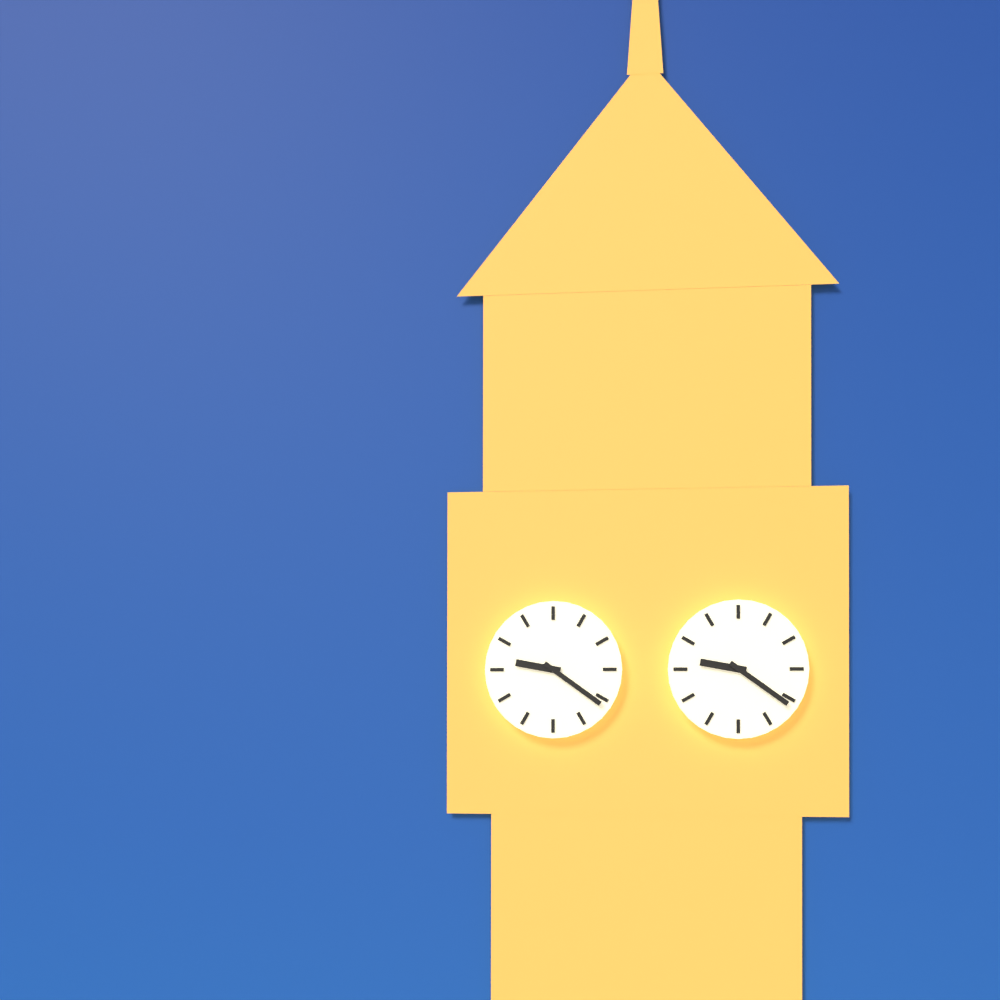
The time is 9:21
